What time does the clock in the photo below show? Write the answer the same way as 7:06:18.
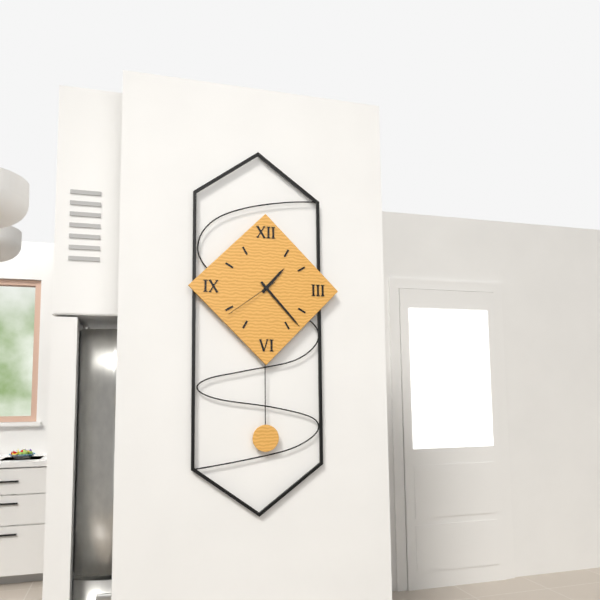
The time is 1:23:39
